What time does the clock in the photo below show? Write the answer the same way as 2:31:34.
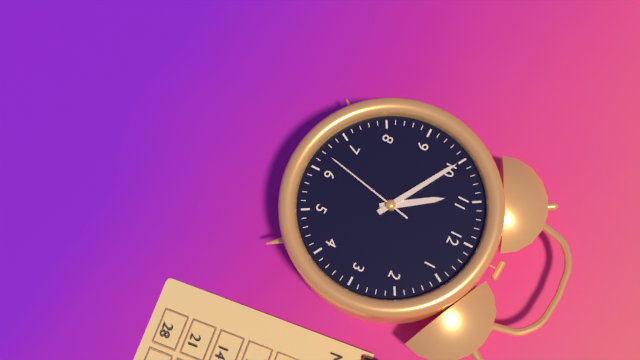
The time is 10:50:32
